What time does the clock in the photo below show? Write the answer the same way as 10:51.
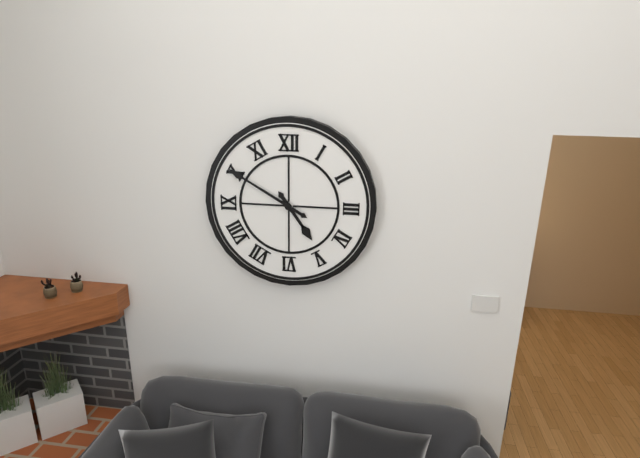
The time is 4:50
